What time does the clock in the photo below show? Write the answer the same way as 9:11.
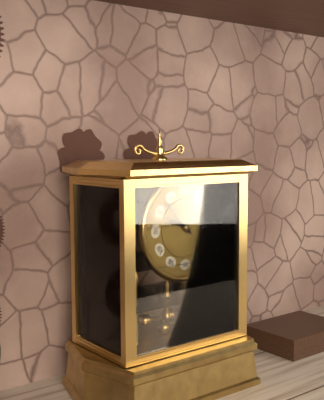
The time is 9:53
